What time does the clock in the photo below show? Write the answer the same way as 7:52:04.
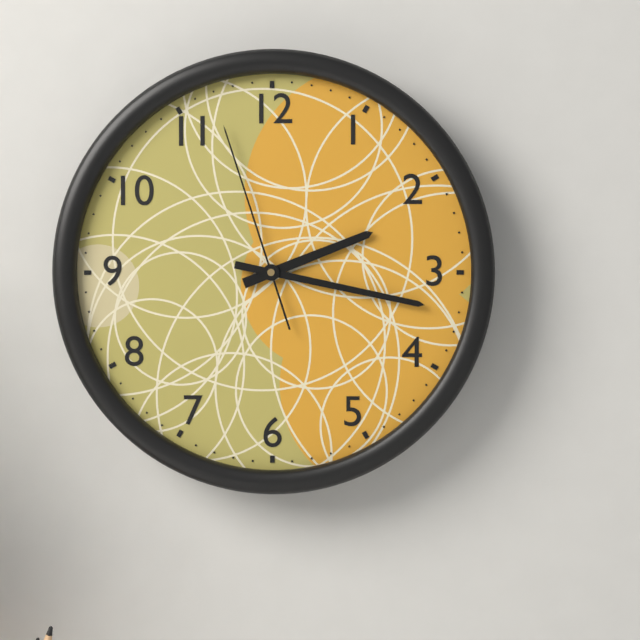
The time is 2:17:57
